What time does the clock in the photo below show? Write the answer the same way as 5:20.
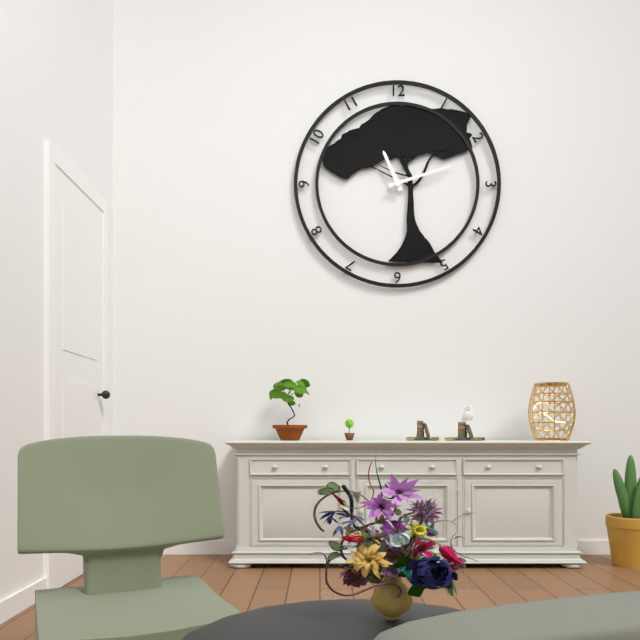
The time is 11:12
